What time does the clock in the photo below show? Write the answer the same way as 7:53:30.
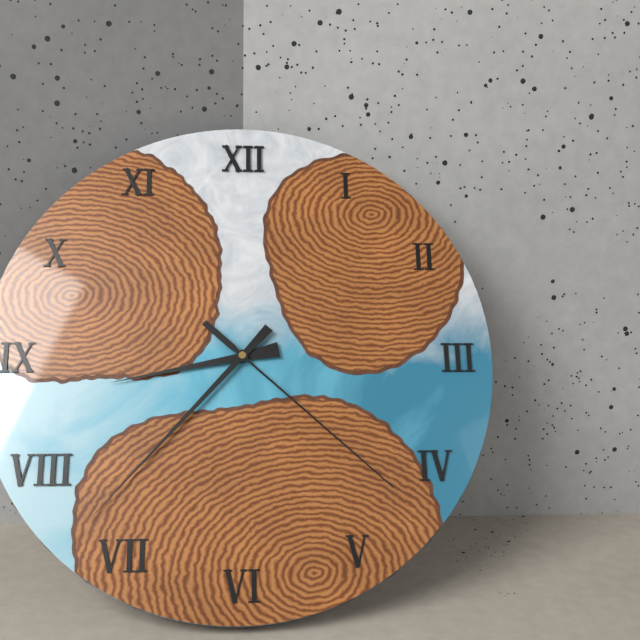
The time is 8:37:22
